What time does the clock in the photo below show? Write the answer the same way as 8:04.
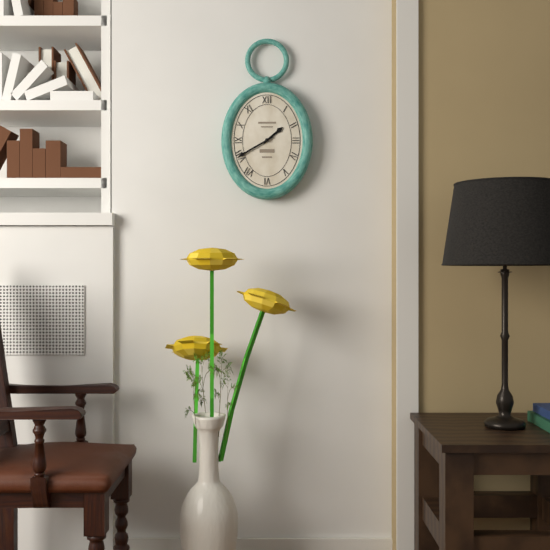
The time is 1:40
